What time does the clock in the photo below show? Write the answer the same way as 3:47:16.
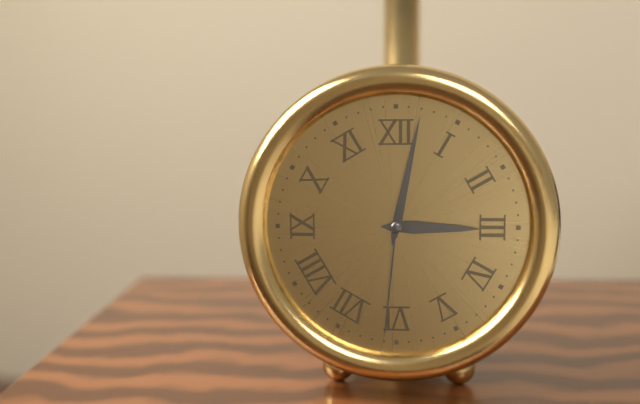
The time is 3:02:31
